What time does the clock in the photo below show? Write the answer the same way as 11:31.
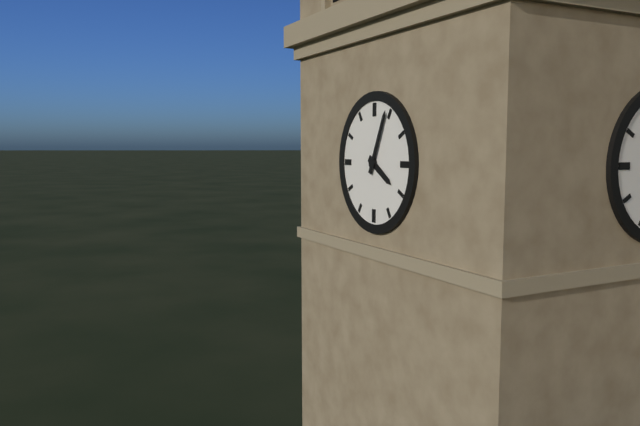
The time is 4:04
